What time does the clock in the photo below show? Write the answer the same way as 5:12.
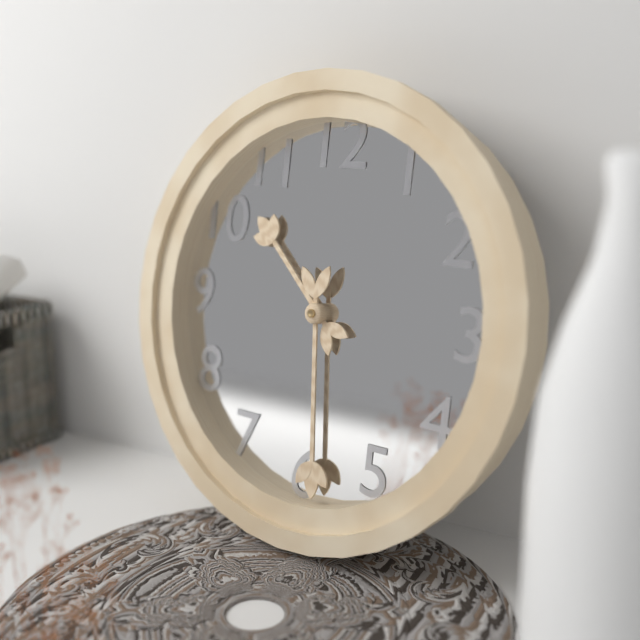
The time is 10:29
